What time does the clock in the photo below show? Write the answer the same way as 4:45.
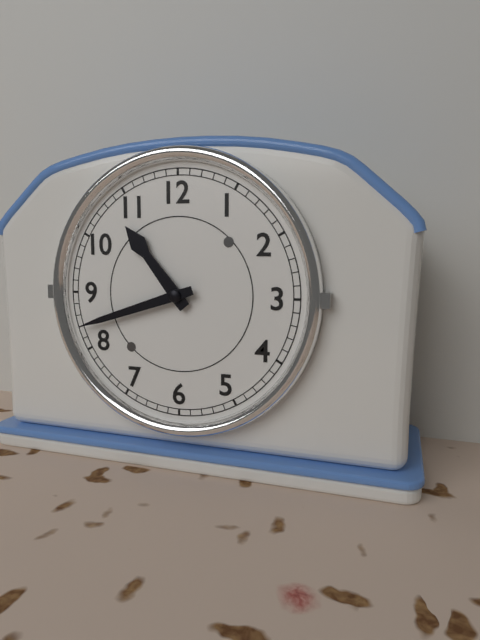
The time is 10:42
